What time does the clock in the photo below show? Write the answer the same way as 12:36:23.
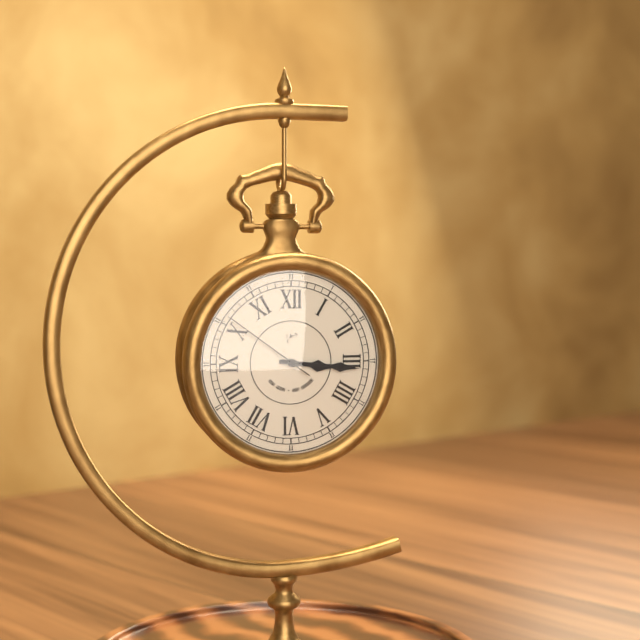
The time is 3:16:51
